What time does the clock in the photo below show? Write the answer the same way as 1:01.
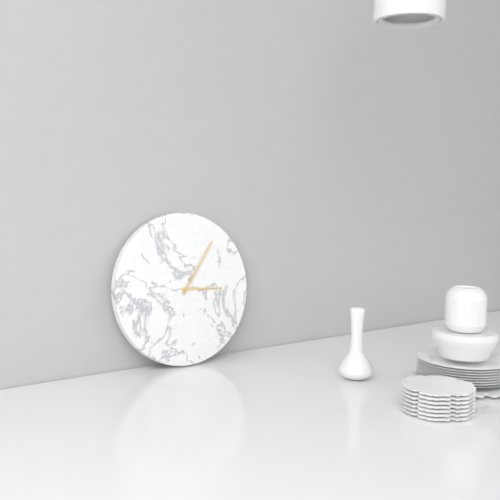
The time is 3:06
